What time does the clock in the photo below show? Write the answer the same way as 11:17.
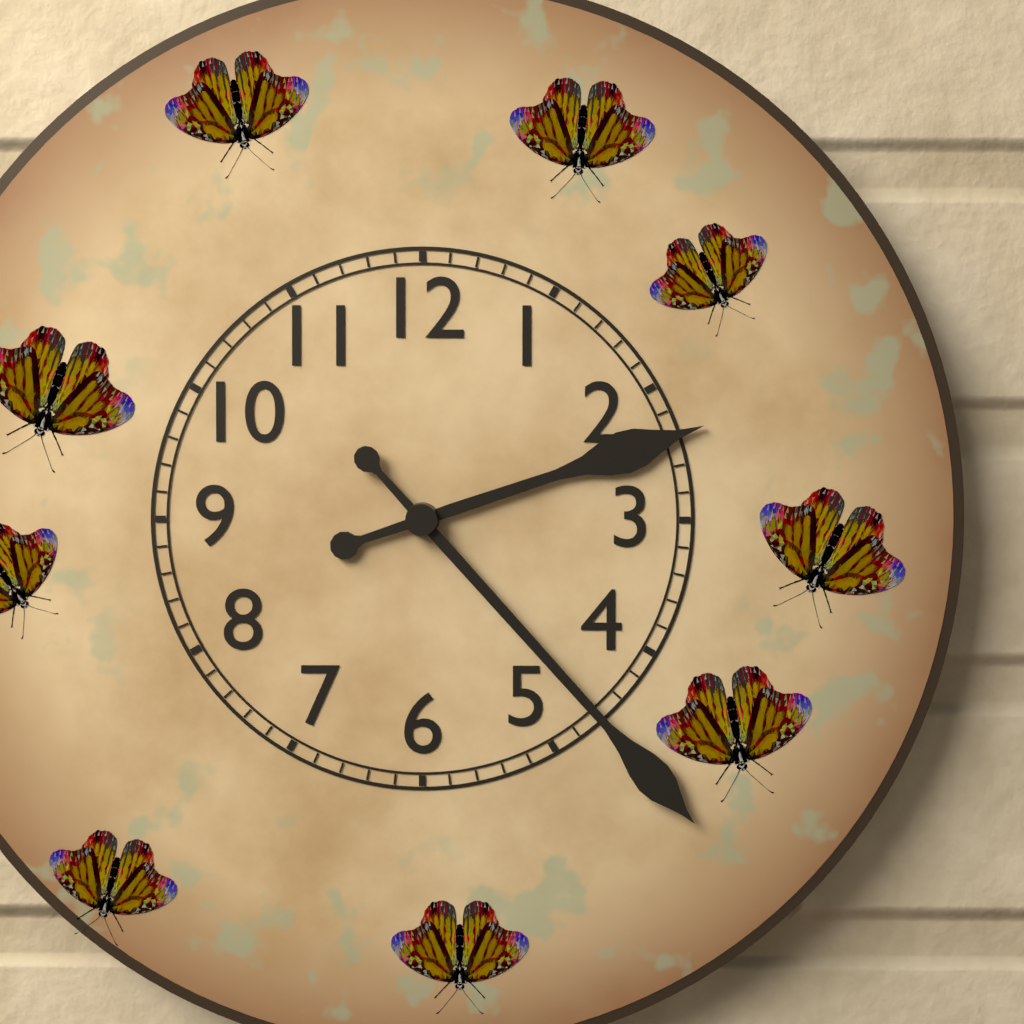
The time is 2:23
